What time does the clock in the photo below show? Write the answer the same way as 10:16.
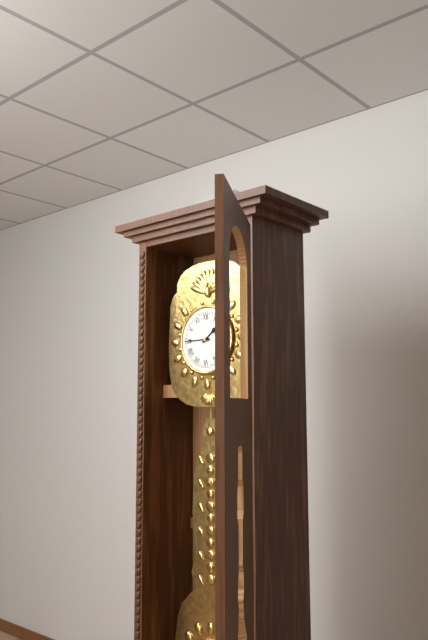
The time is 1:45
